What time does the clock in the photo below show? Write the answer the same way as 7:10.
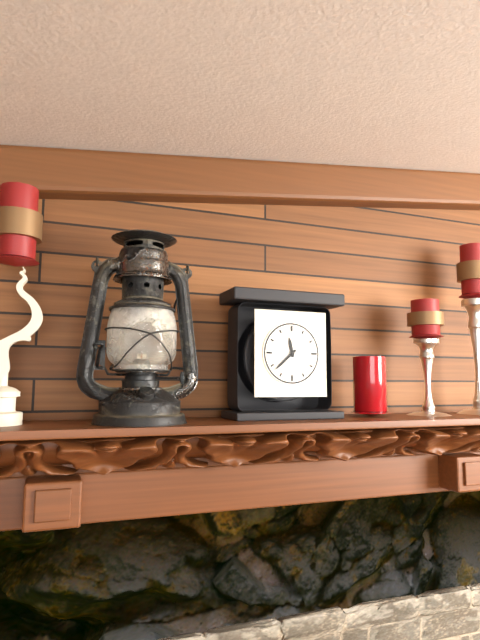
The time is 11:38
